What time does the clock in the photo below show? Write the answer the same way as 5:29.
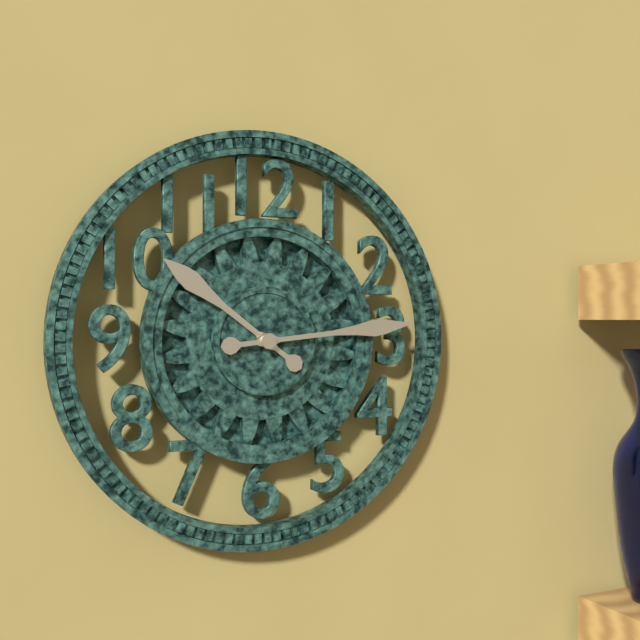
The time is 10:14
